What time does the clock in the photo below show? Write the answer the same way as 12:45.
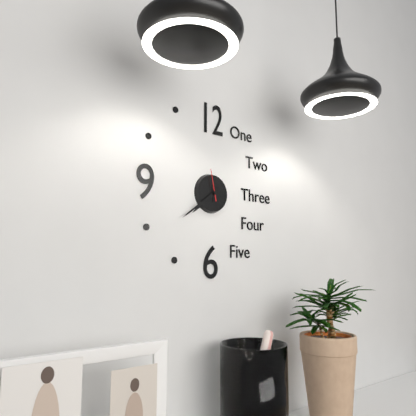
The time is 7:39
